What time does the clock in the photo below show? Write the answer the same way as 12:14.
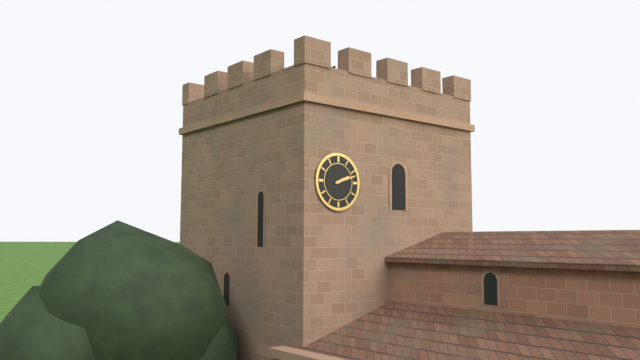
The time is 2:12
